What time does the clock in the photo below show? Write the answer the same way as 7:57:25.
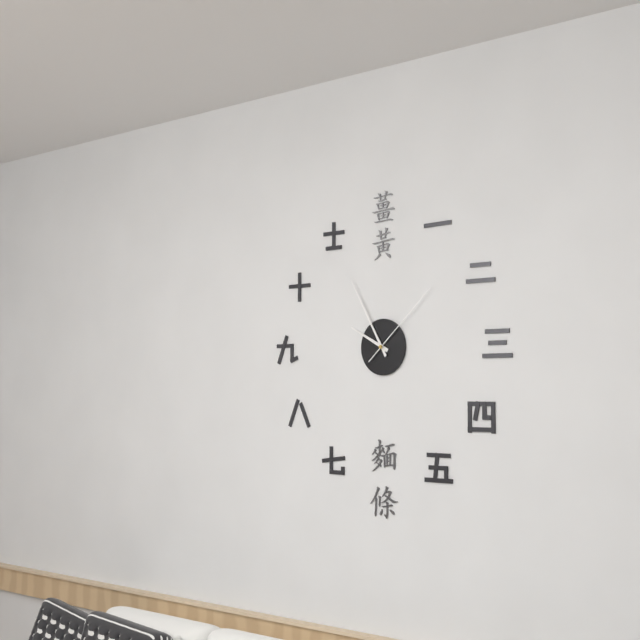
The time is 9:55:08
